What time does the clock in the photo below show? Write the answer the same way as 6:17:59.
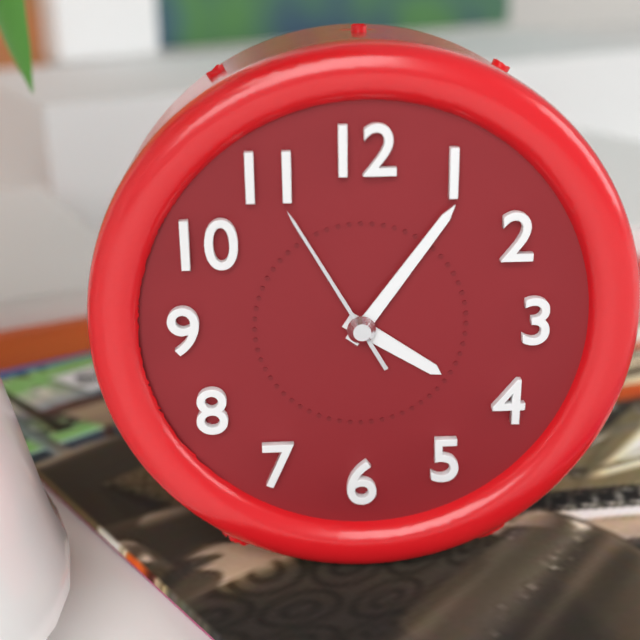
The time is 4:06:55
